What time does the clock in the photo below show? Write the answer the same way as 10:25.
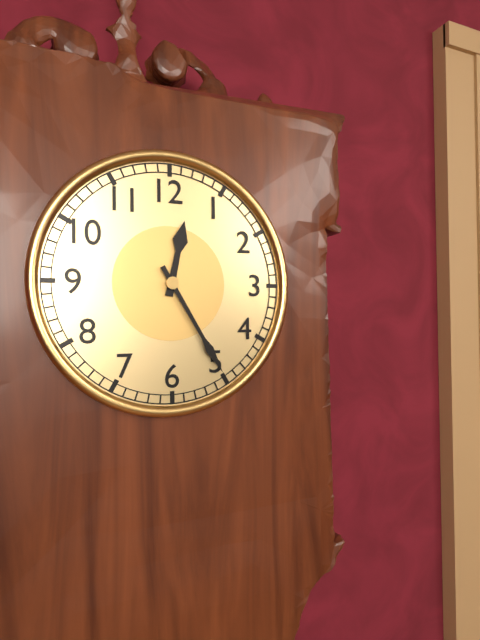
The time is 12:25
